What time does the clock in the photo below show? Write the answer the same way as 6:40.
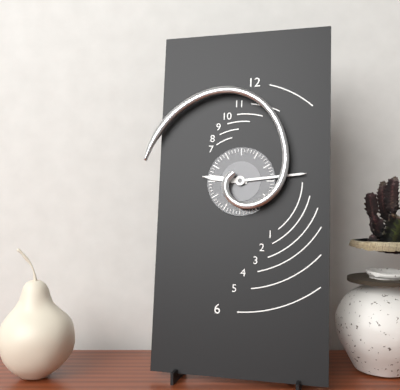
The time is 9:14
